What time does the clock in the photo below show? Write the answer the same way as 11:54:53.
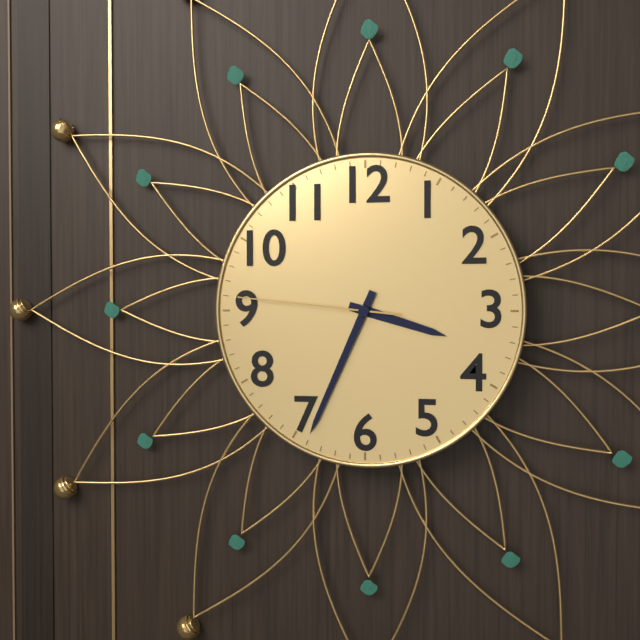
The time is 3:34:46
